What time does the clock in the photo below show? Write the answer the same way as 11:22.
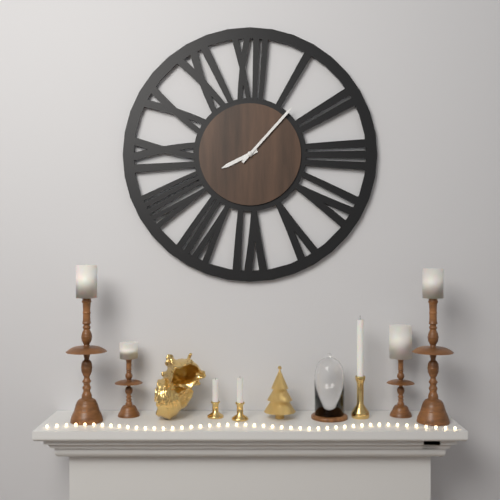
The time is 8:07
